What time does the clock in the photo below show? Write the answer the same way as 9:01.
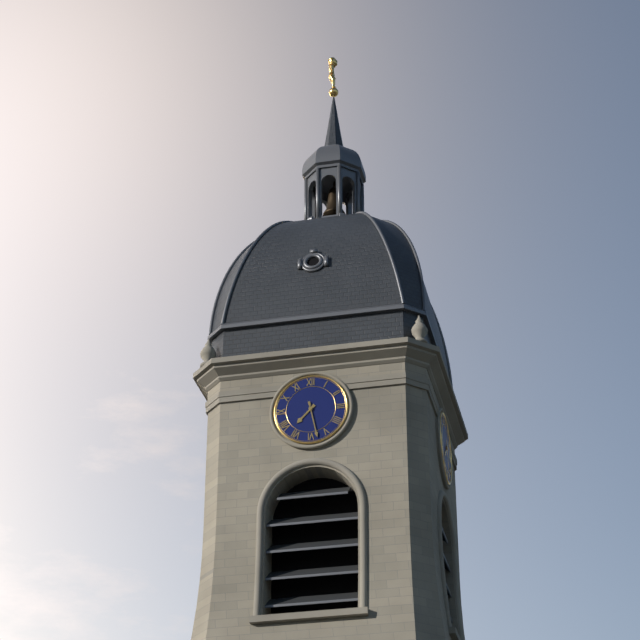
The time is 7:28
